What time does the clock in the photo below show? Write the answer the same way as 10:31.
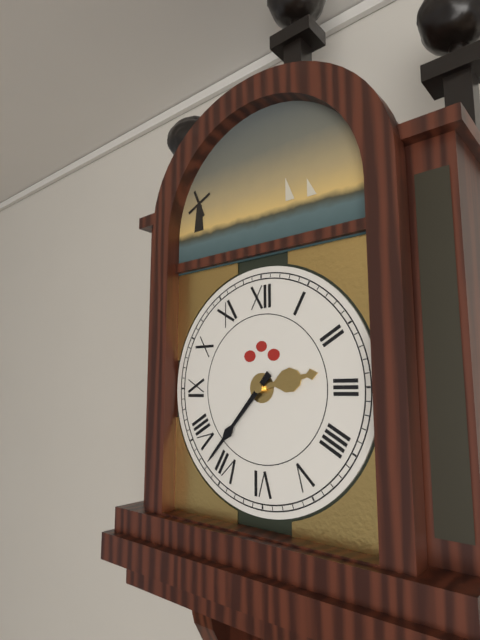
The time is 2:37
